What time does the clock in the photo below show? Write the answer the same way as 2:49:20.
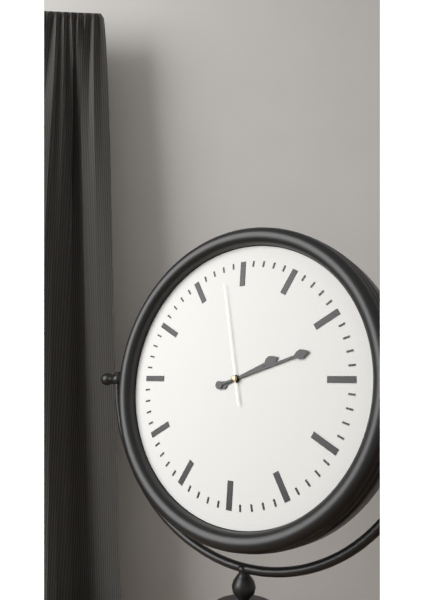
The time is 2:12:58
